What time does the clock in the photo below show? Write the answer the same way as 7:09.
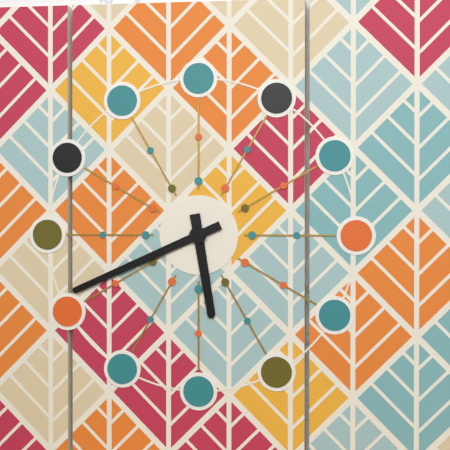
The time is 5:41
